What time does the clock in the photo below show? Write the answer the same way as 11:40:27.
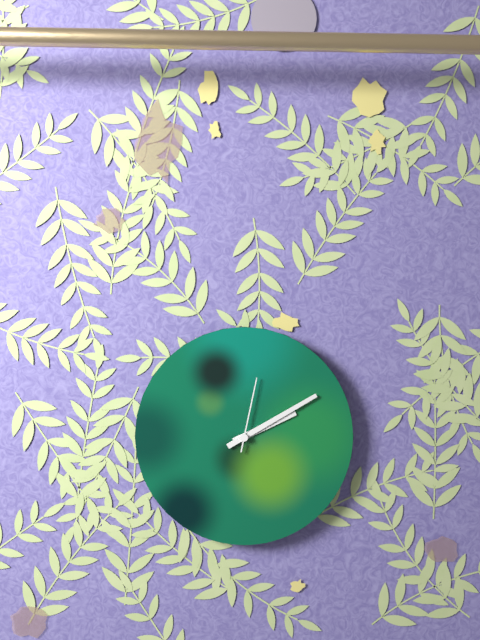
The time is 2:10:02
